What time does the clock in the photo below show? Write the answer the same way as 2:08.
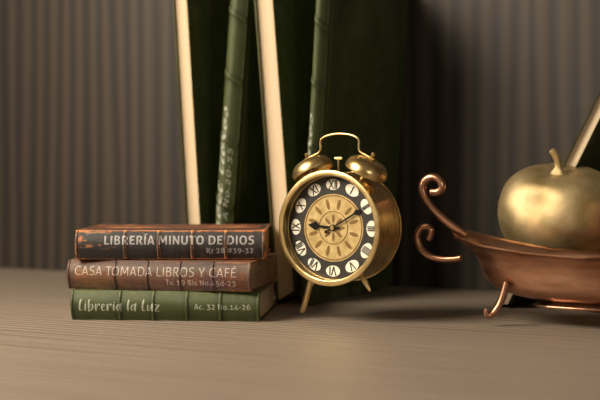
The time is 9:10
